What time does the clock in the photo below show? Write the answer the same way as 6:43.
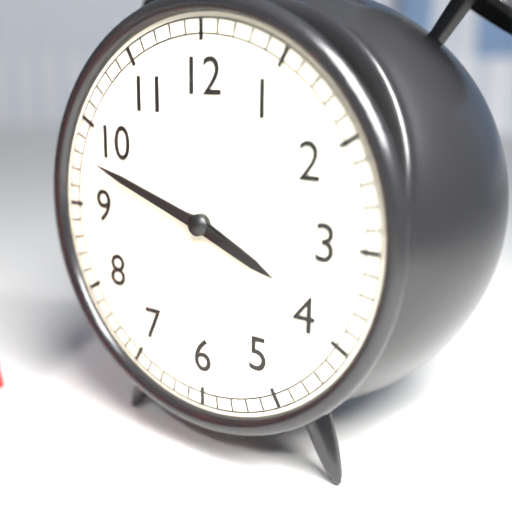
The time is 3:48
